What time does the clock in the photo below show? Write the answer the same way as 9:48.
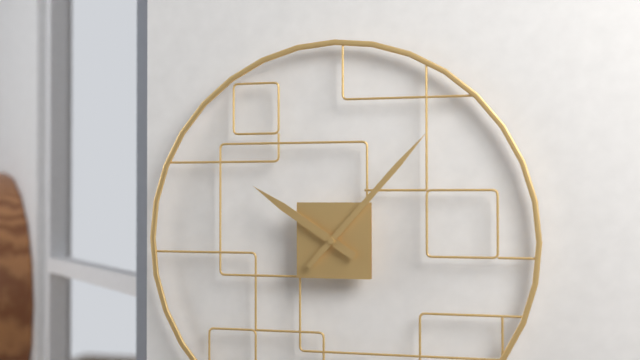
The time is 10:07
